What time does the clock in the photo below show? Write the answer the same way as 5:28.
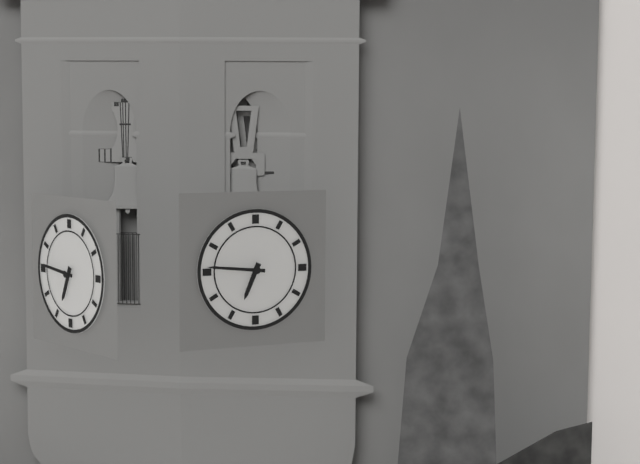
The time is 6:46
